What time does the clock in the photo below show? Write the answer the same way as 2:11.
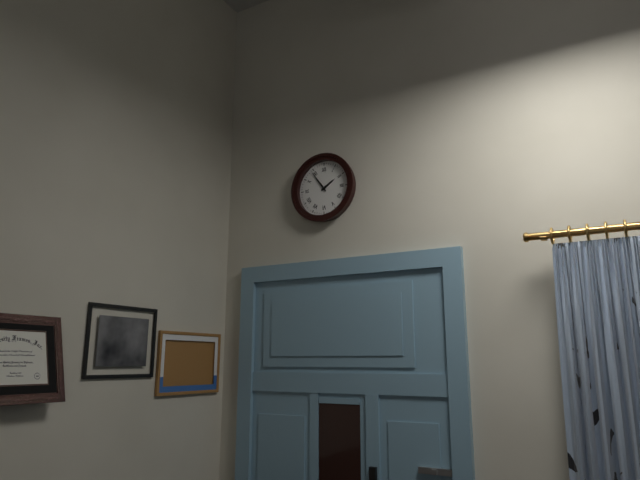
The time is 1:54
